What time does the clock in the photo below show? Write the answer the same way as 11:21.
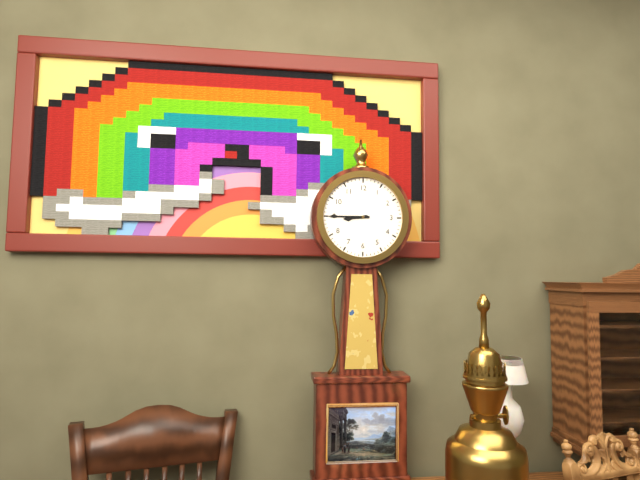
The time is 8:45
